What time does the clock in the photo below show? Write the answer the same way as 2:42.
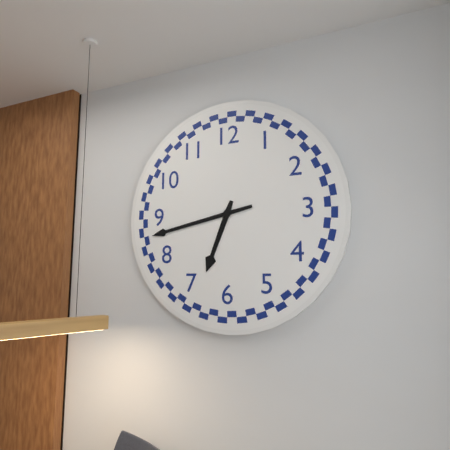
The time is 6:43
